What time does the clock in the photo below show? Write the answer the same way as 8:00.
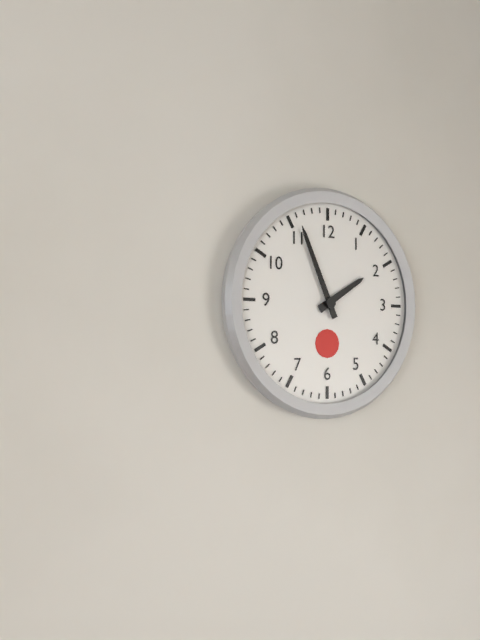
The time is 1:56
